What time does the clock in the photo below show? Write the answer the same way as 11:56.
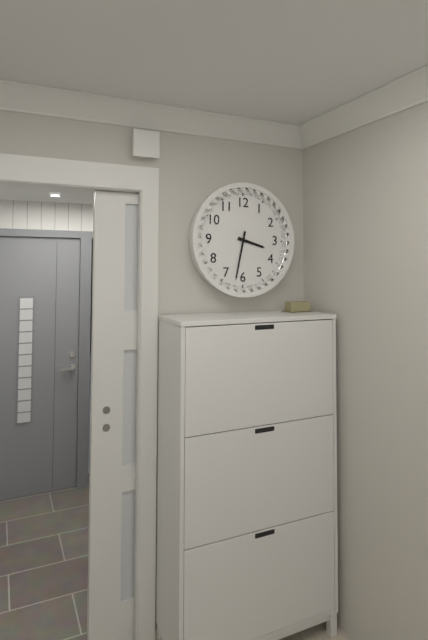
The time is 3:32
